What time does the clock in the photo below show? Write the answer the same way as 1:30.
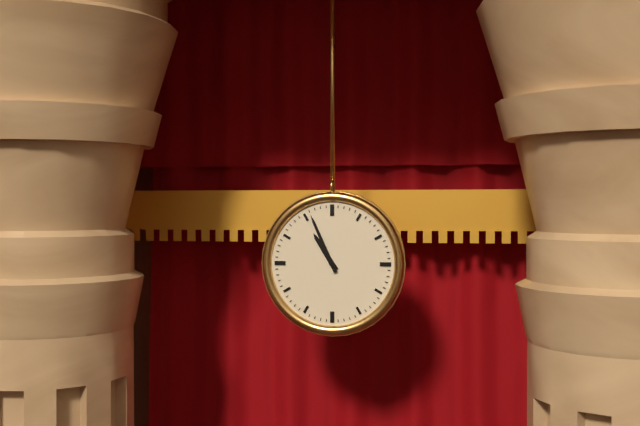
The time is 10:56
